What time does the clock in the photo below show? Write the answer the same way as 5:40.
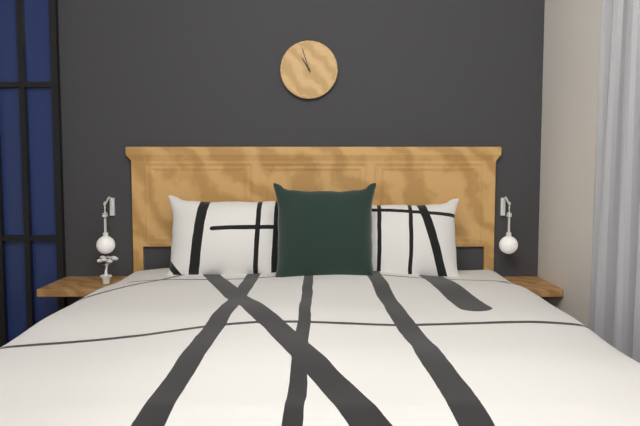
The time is 10:57
